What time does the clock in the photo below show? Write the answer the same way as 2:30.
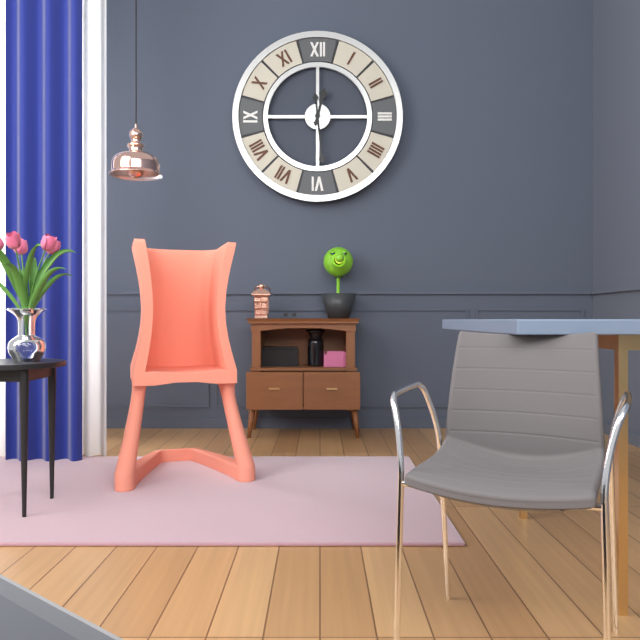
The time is 12:29
